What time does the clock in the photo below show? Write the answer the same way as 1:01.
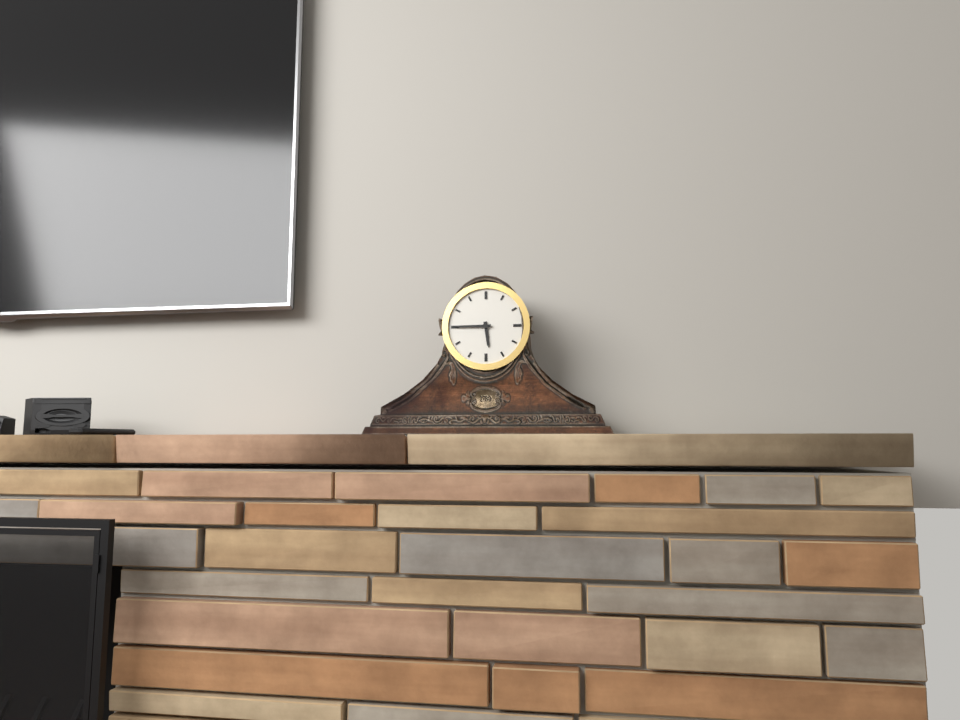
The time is 5:45
